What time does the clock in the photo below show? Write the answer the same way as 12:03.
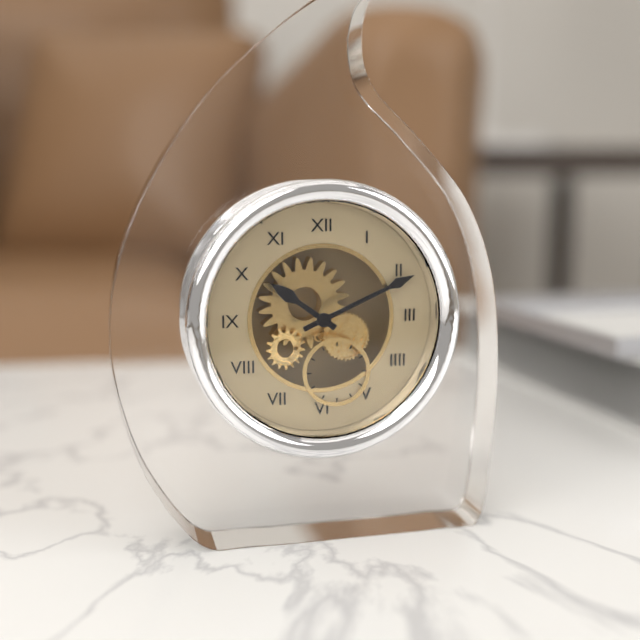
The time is 10:11
